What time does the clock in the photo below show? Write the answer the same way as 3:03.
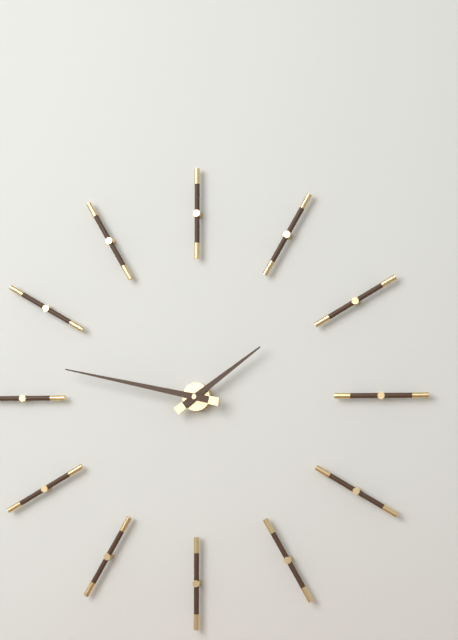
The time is 1:47
